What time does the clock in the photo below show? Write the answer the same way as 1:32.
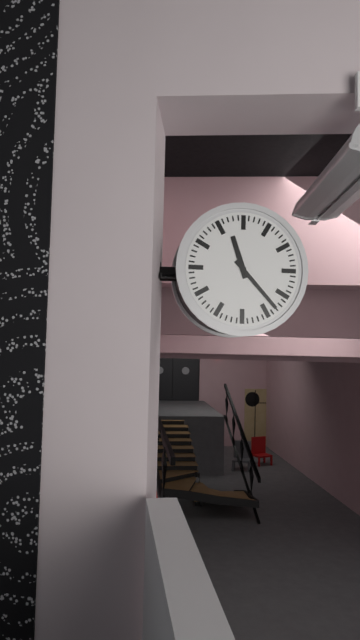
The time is 11:23
